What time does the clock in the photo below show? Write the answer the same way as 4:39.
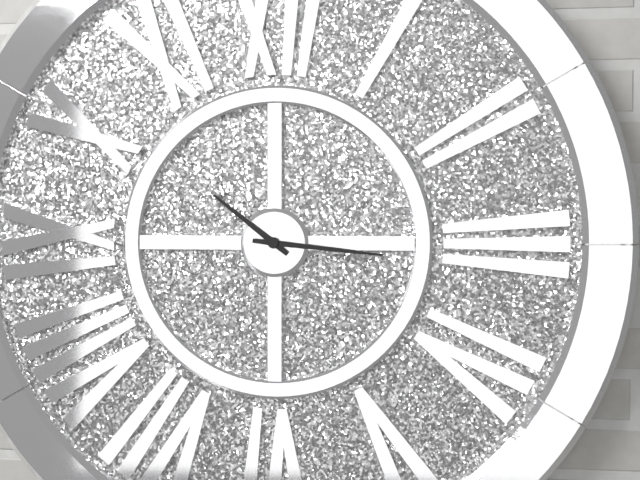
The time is 10:16
